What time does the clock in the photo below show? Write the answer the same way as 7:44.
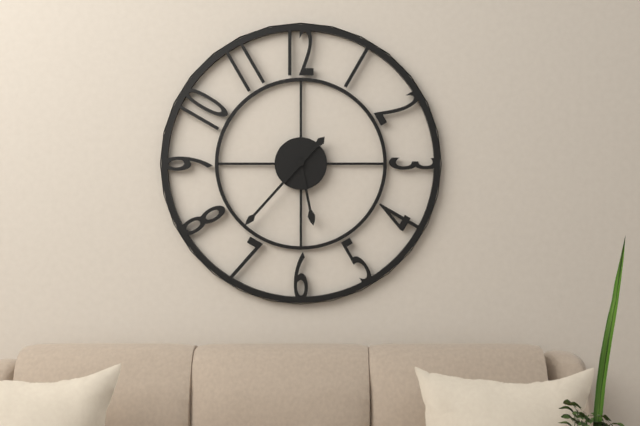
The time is 5:37
